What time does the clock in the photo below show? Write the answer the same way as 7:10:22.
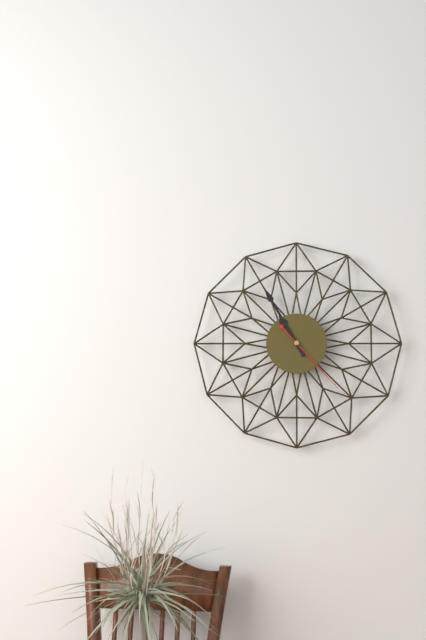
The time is 10:55:23
